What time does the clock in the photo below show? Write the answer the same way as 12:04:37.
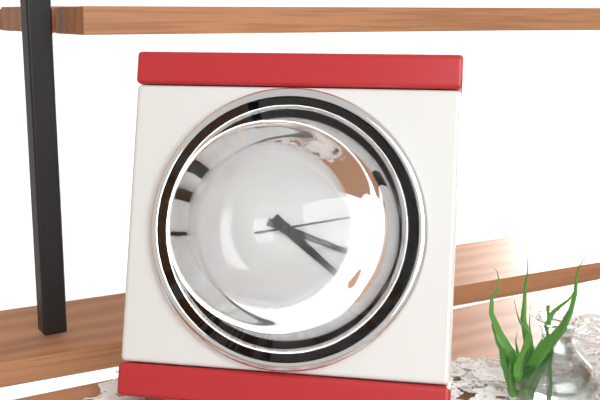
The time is 4:18:13
